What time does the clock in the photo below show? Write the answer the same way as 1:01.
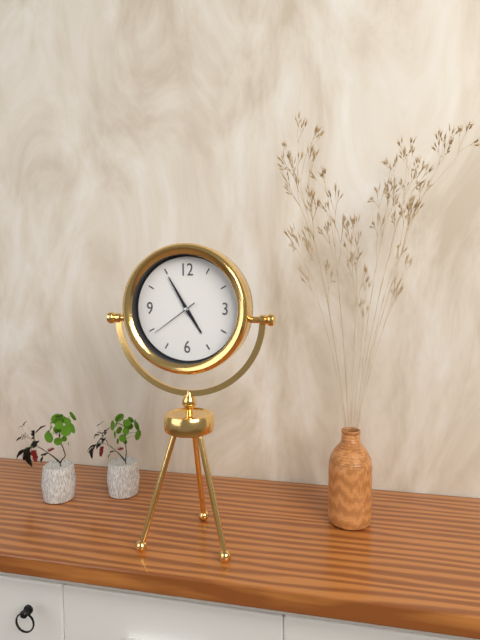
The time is 4:55
